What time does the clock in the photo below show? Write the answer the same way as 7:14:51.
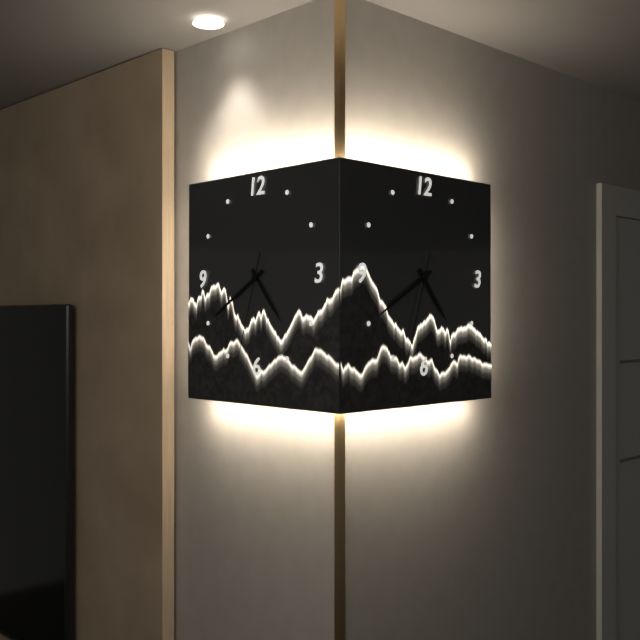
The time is 4:40:33
